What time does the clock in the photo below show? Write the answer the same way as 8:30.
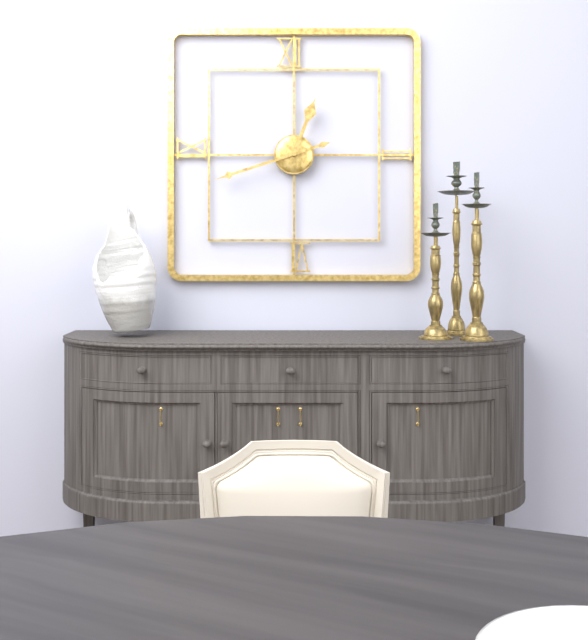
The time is 12:42
